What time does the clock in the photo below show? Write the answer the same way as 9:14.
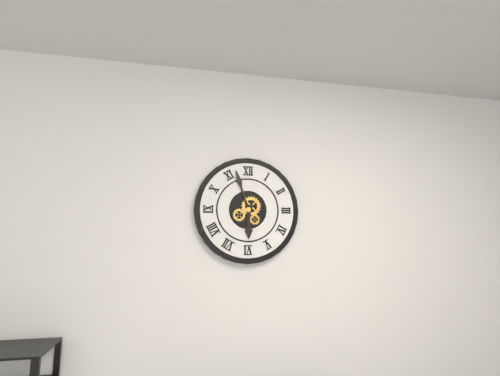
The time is 5:57
